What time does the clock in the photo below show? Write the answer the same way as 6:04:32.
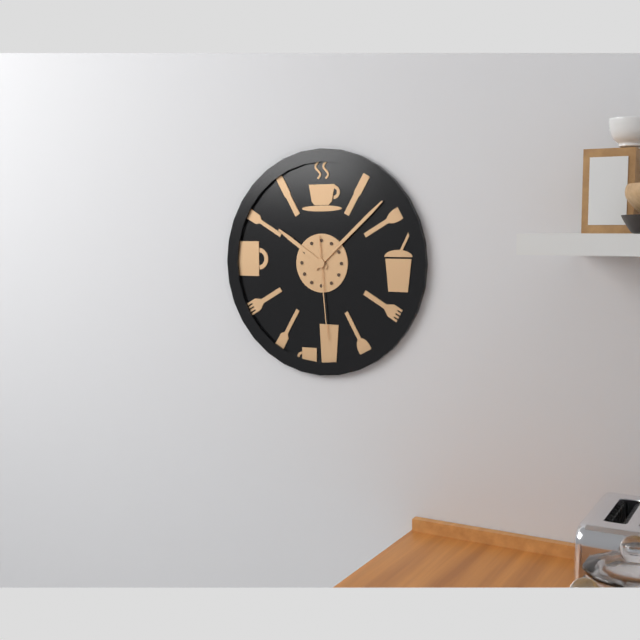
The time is 10:08:29
